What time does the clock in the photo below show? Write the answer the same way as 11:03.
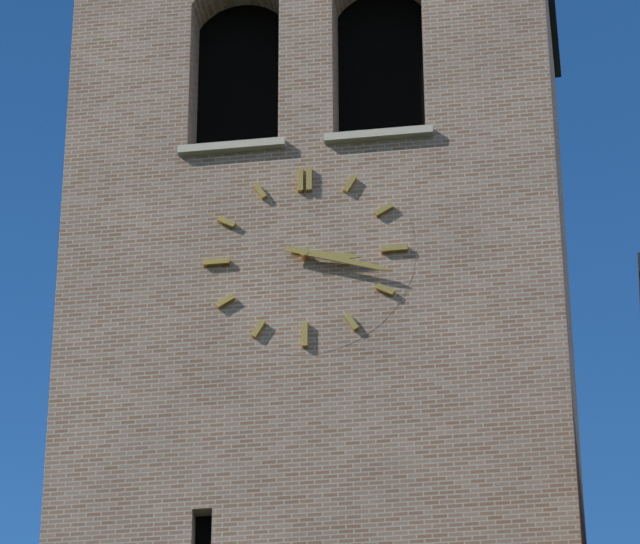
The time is 3:18
